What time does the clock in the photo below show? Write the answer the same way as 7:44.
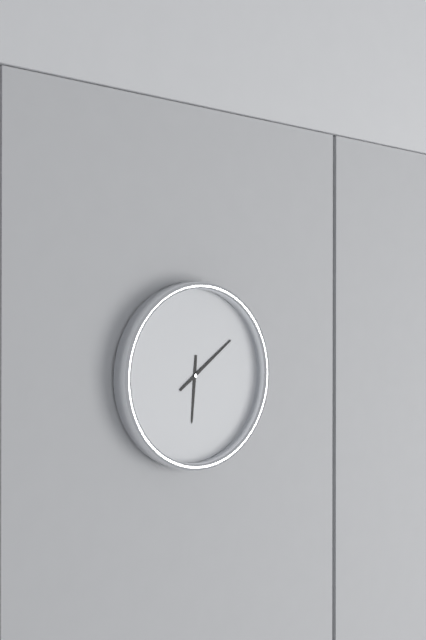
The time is 6:09
